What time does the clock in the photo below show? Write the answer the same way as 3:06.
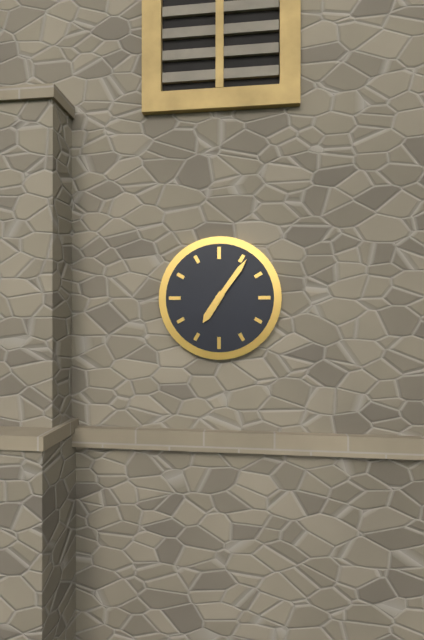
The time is 7:06
